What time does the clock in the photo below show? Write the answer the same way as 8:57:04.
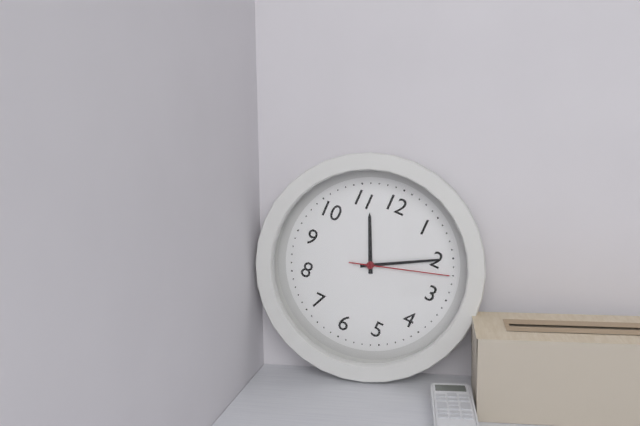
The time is 11:10:12
